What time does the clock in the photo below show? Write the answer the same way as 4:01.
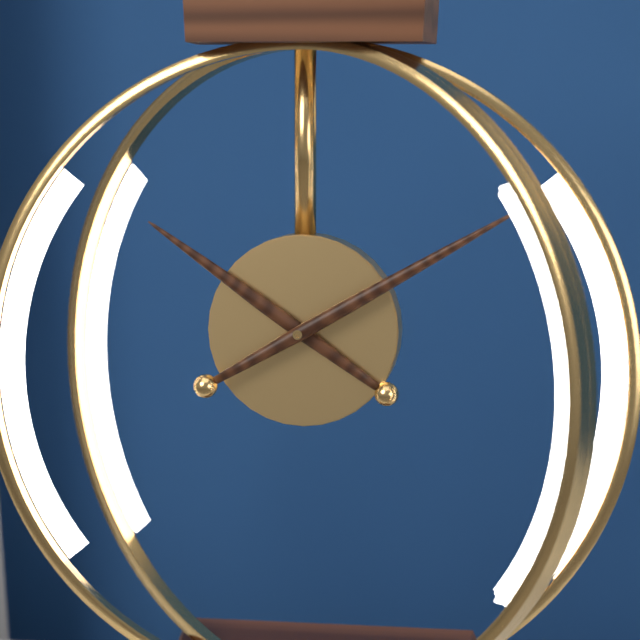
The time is 10:10
